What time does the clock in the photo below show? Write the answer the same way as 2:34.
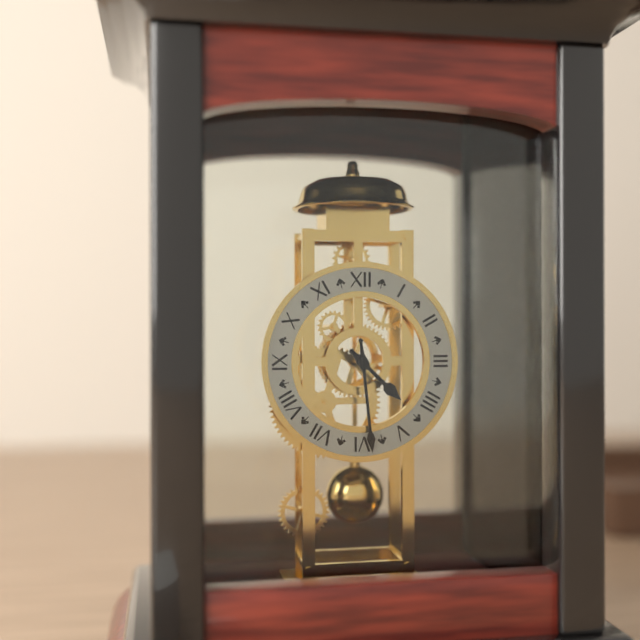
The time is 4:29
